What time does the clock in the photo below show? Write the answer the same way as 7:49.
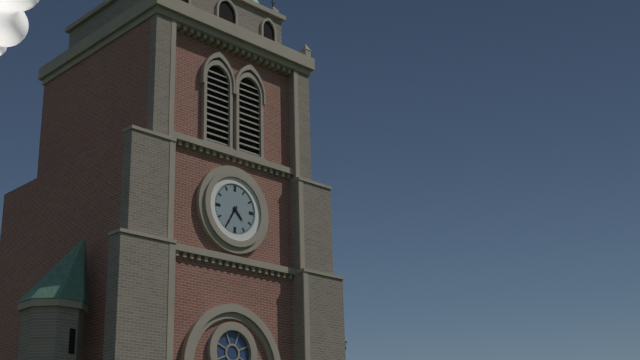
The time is 4:35
